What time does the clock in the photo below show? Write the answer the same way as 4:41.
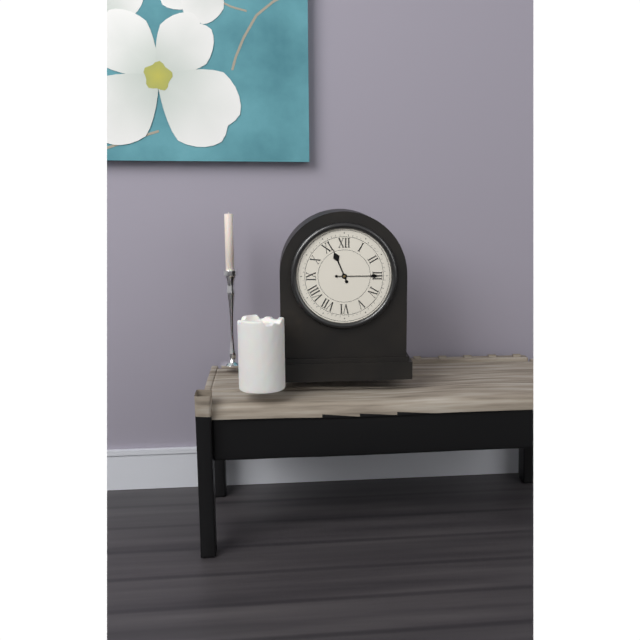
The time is 11:15
